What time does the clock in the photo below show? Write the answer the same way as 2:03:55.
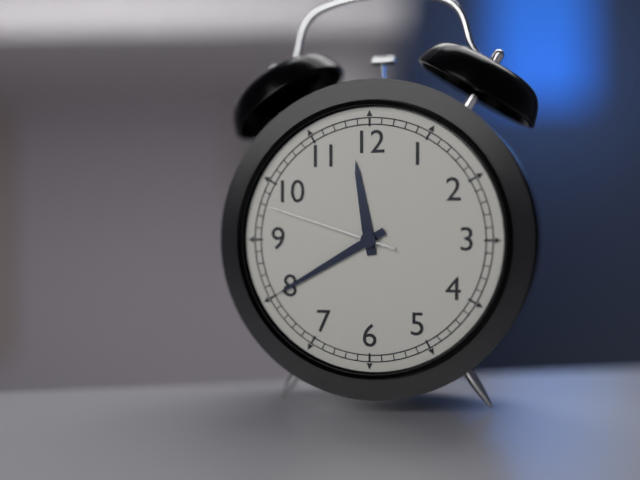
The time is 11:40:48
